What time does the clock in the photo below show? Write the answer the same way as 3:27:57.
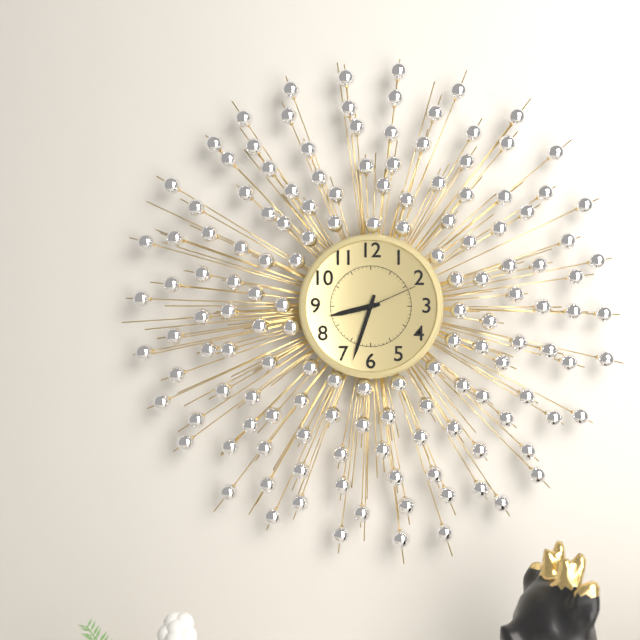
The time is 8:33:11
